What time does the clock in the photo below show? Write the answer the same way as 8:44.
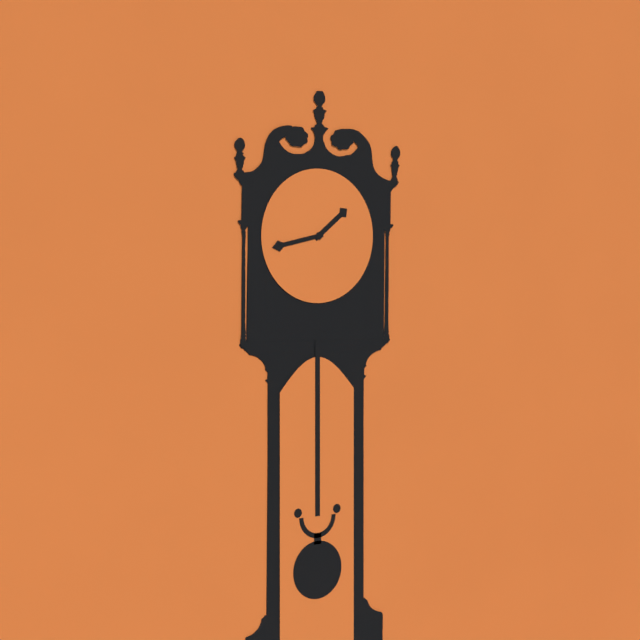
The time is 1:43
